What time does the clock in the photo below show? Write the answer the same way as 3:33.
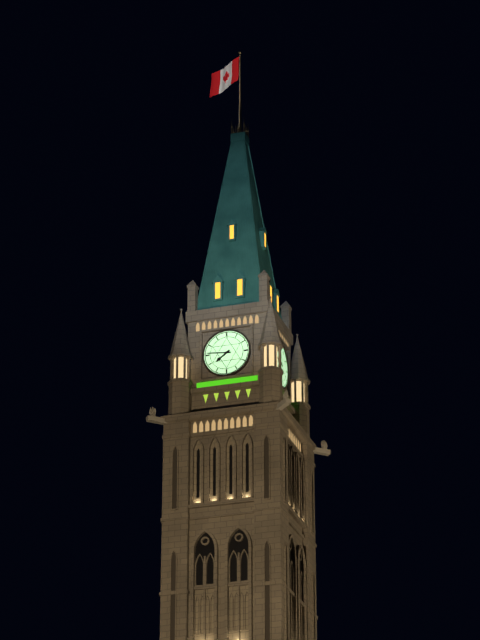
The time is 7:46
